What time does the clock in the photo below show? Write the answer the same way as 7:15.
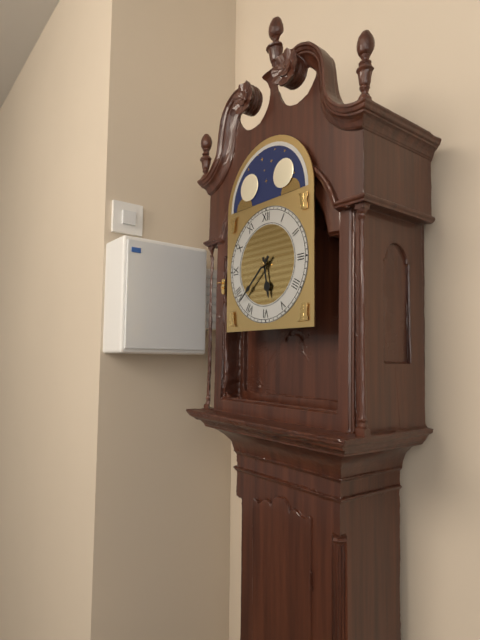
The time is 5:38
